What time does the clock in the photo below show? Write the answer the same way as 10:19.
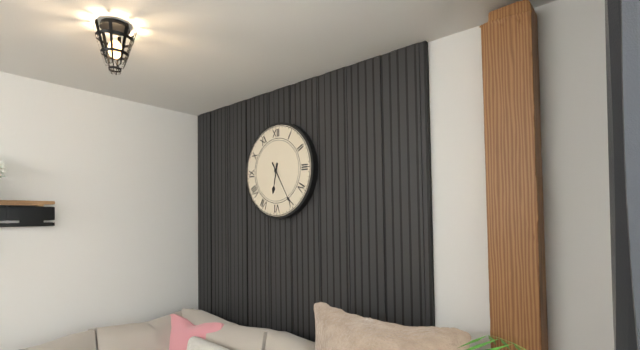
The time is 6:25
